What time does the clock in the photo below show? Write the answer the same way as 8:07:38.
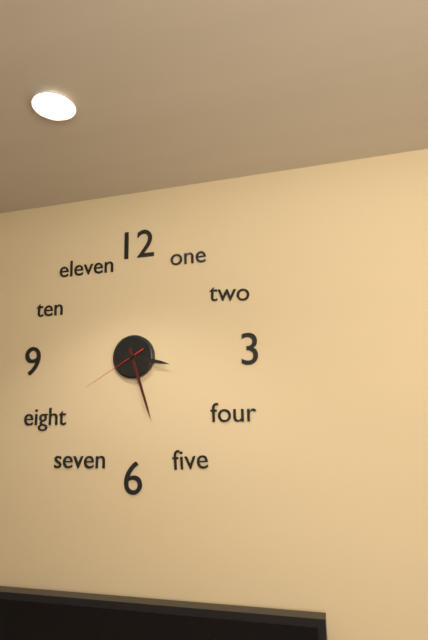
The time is 3:27:40
